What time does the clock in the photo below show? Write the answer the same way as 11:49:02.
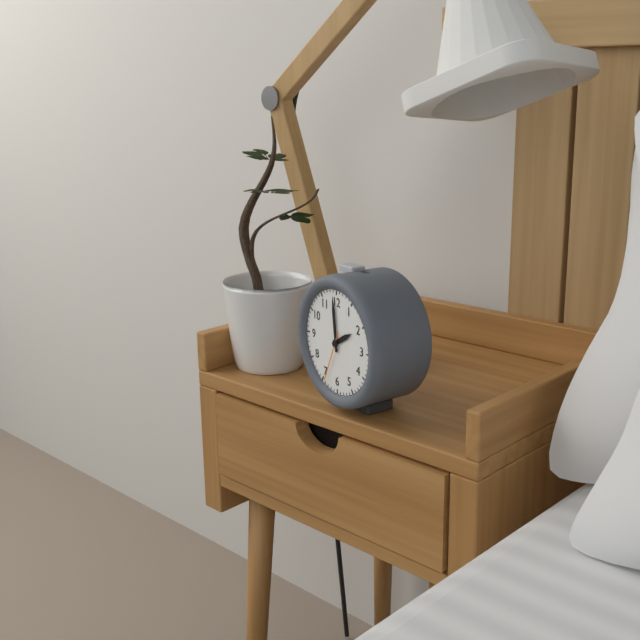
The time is 1:59:34
